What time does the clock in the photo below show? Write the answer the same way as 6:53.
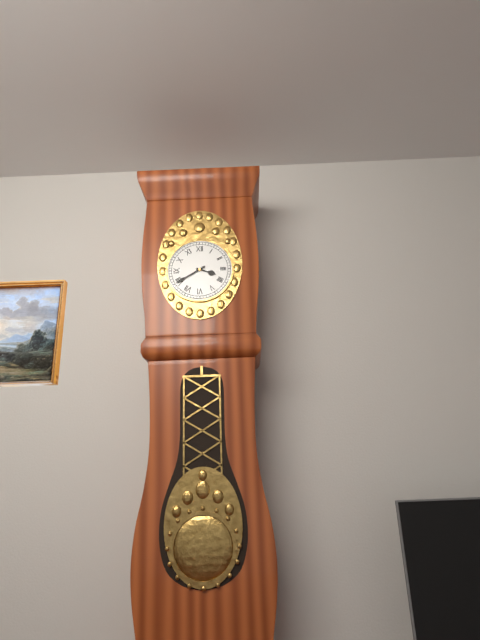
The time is 3:40
